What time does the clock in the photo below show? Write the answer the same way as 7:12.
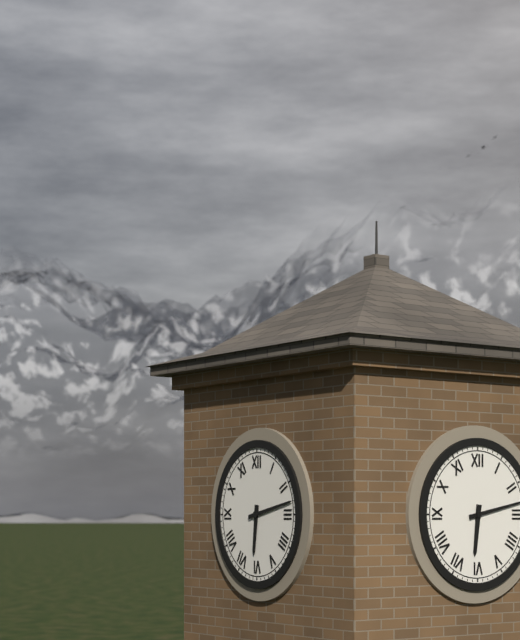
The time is 6:13
